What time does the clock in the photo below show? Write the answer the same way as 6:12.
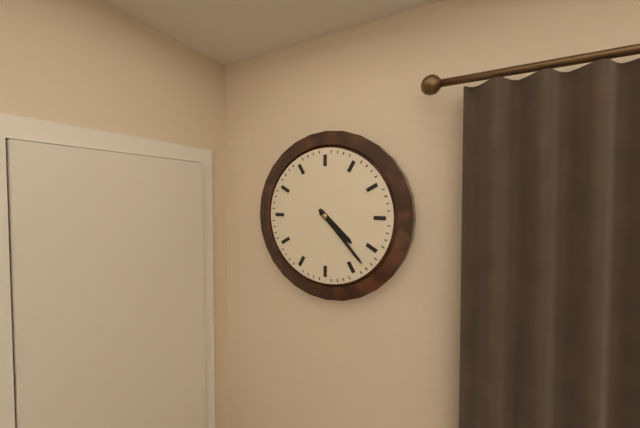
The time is 4:23
